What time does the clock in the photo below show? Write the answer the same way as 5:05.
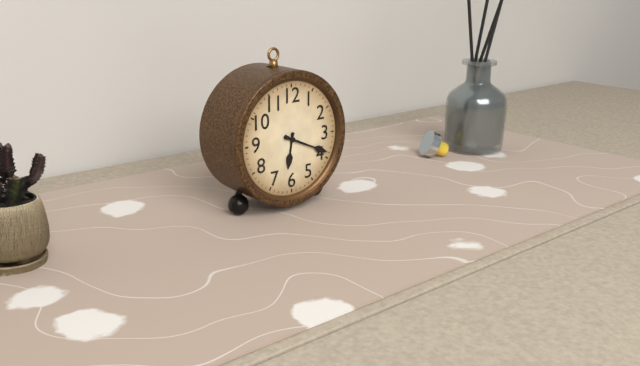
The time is 6:19
